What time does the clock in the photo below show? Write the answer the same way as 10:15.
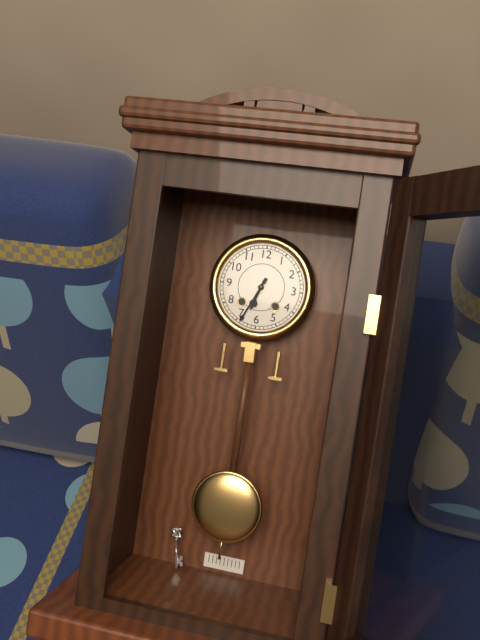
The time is 6:34
